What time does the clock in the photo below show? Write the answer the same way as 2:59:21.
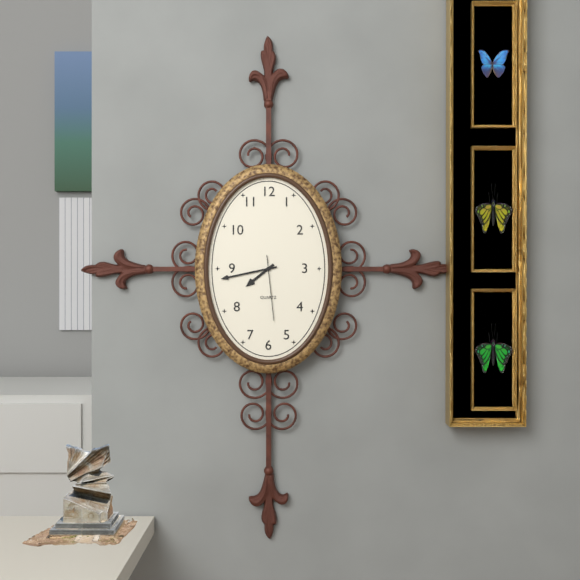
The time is 7:43:29
